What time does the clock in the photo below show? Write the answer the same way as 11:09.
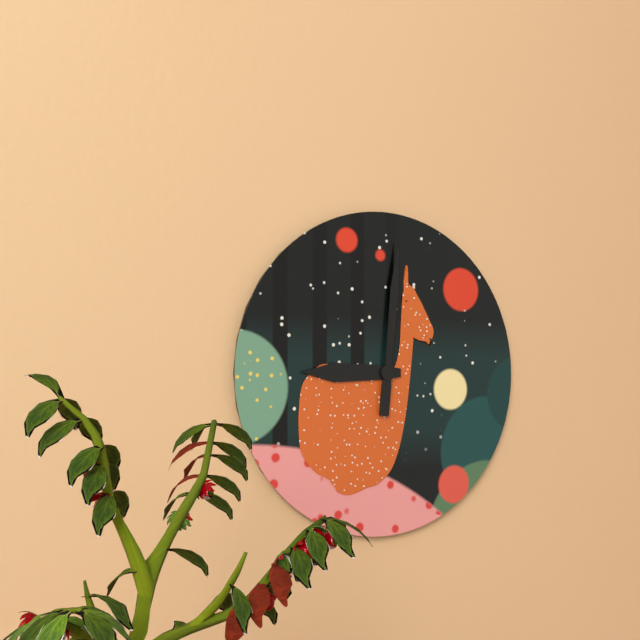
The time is 9:01
